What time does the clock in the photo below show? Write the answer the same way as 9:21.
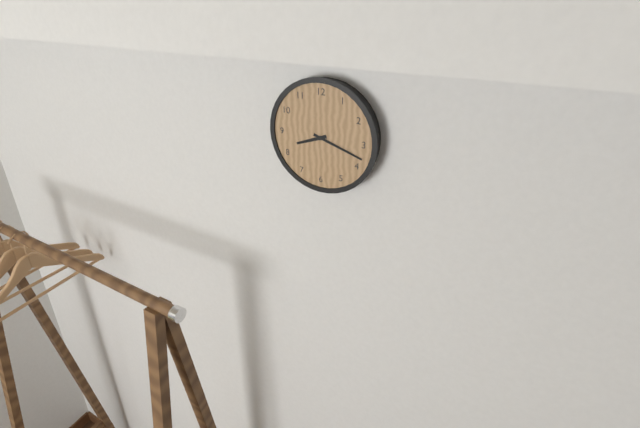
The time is 8:18
